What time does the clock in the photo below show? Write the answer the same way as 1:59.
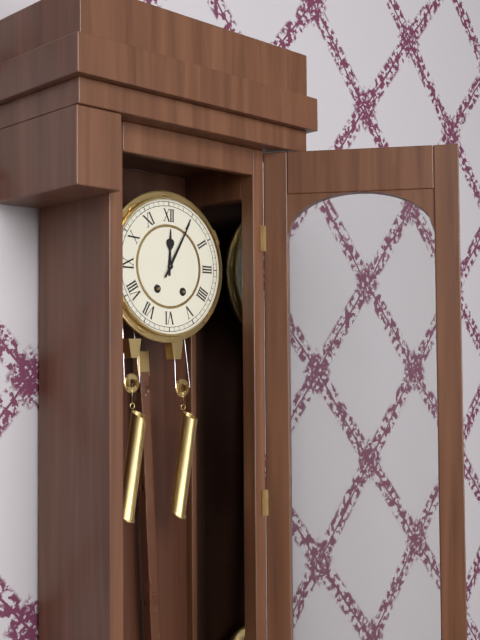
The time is 12:05
